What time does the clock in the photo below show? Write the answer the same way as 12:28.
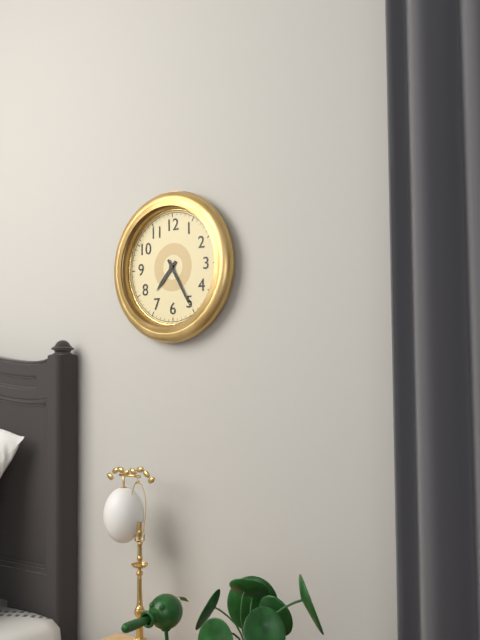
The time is 7:25
